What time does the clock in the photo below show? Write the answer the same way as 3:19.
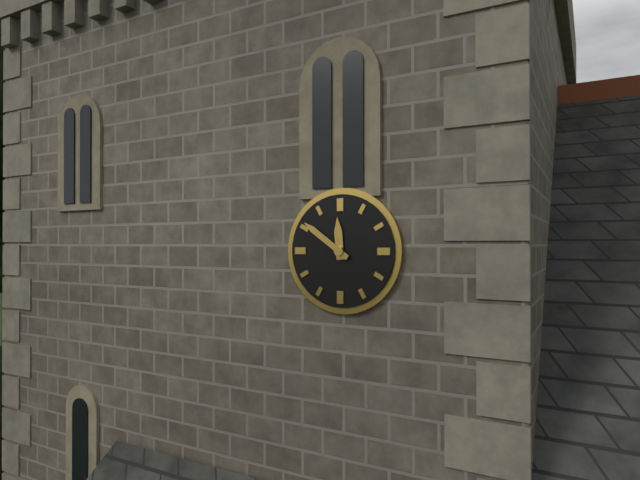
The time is 11:51
